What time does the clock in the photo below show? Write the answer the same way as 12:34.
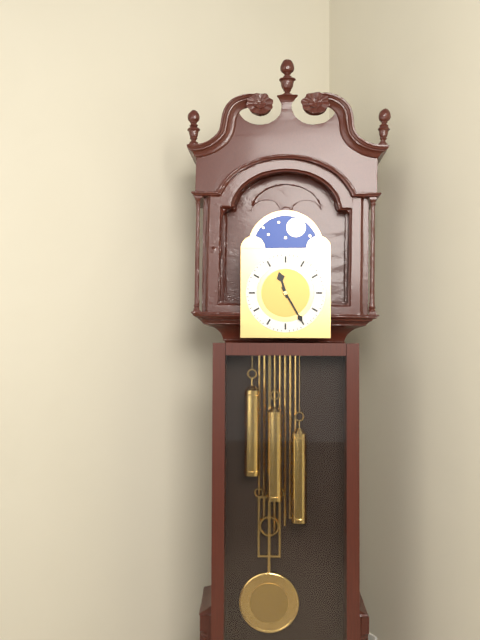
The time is 11:25
